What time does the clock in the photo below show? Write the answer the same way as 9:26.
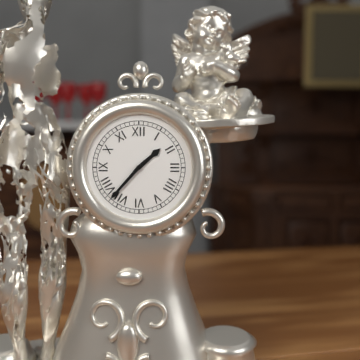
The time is 1:37
